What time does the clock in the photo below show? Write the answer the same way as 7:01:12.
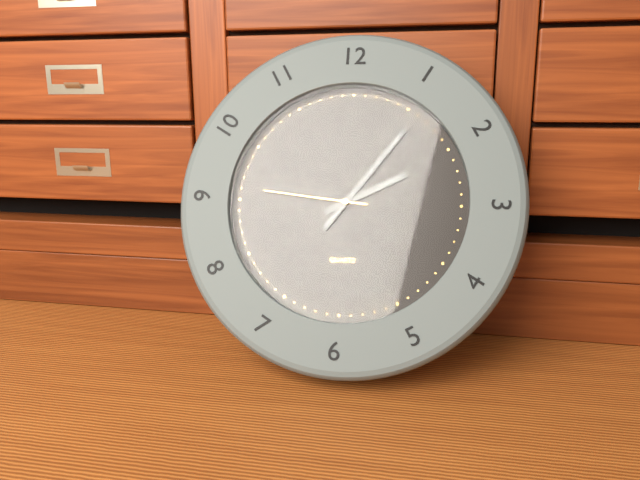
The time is 2:06:46
